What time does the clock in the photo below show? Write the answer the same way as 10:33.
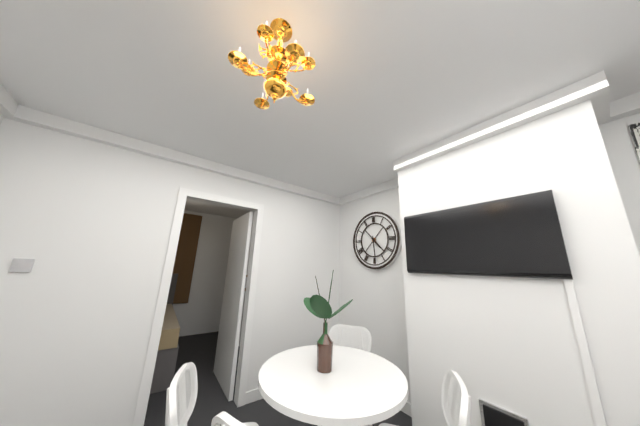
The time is 4:29
